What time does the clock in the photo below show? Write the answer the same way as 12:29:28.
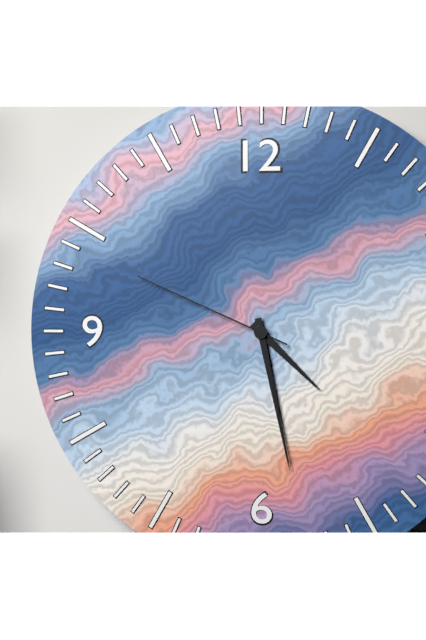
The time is 4:28:49
